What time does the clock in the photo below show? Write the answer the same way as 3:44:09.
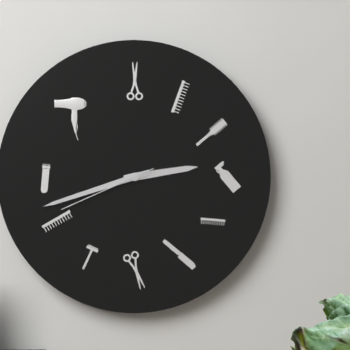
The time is 2:42:41
